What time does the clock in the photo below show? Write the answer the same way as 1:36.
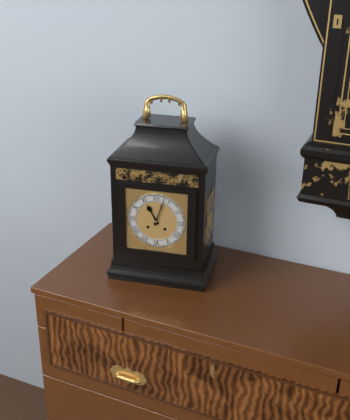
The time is 11:03
